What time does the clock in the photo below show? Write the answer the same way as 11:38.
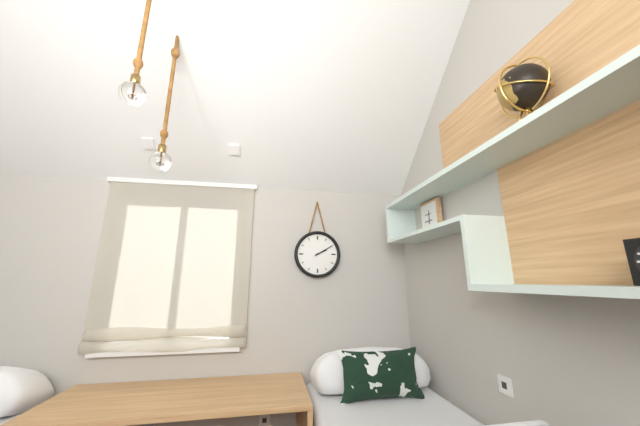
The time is 2:10
